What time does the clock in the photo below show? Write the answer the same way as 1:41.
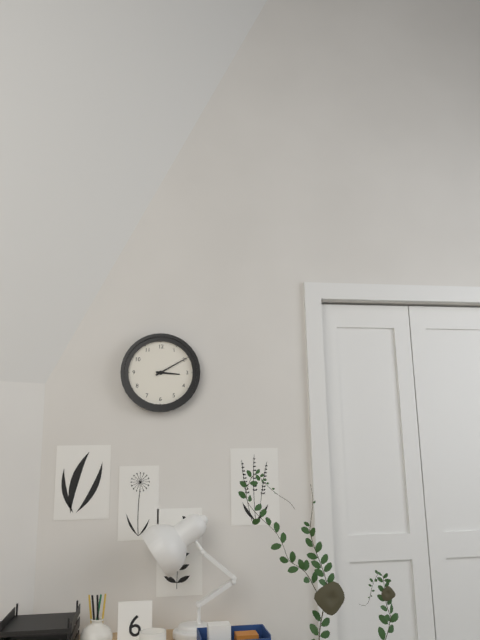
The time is 3:10
